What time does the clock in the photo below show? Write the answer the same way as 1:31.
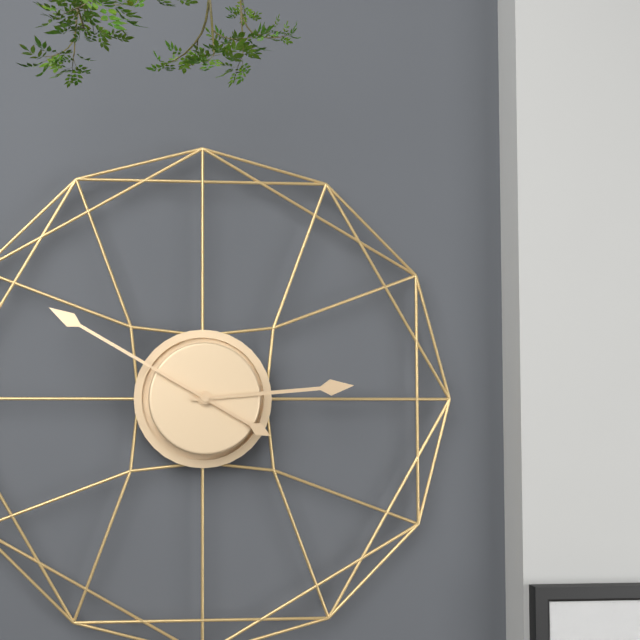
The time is 2:50
